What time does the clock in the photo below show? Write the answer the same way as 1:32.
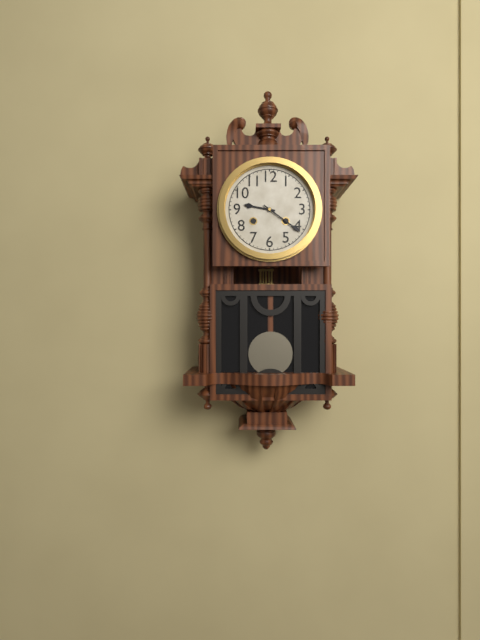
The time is 9:21
